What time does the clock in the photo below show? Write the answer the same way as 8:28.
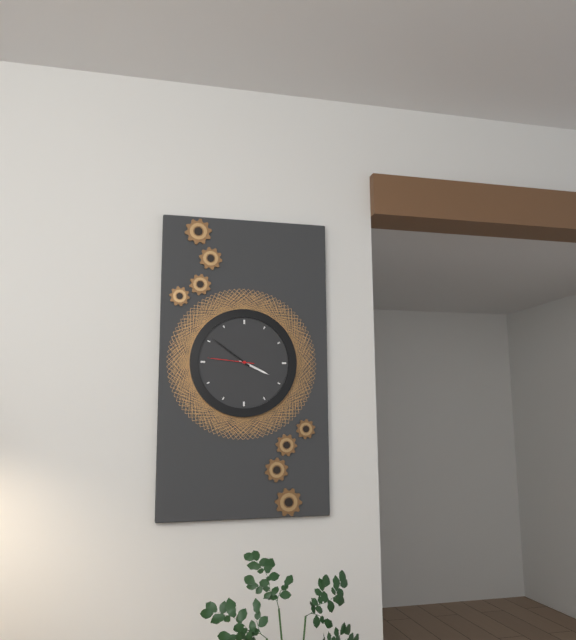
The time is 3:51
